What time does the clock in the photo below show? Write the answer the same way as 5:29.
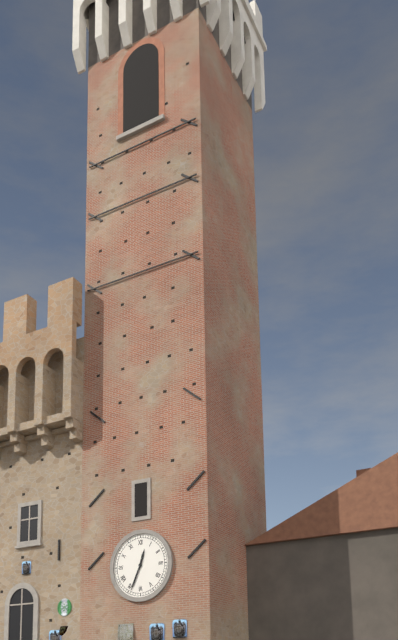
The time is 12:34
